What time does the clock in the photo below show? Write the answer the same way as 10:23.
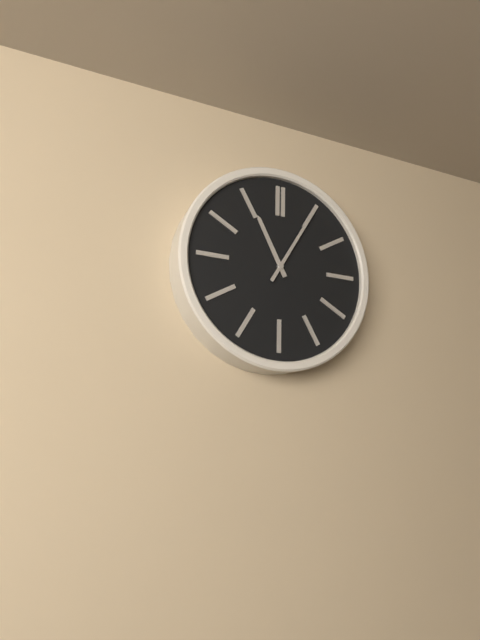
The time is 11:05
